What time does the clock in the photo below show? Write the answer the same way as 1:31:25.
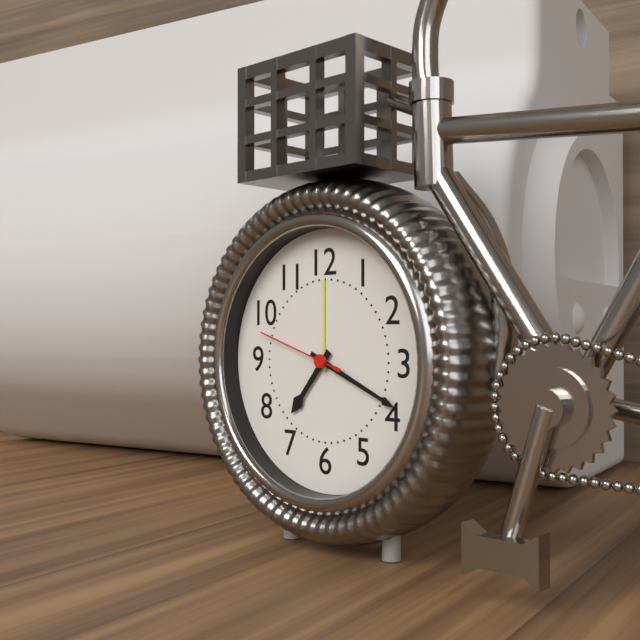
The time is 7:19:48
